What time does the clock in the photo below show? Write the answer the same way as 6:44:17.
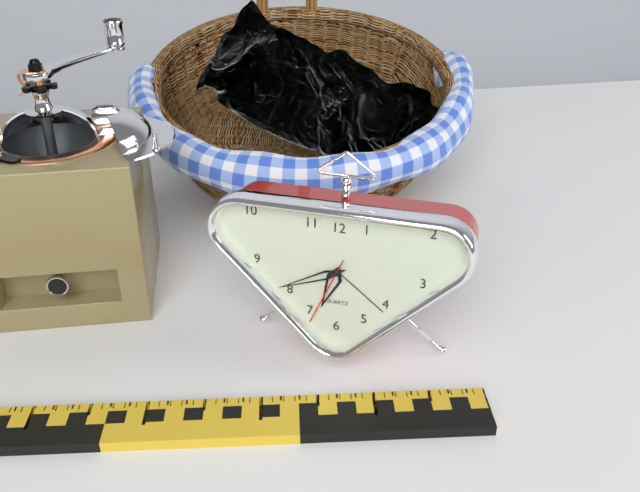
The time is 6:41:34
